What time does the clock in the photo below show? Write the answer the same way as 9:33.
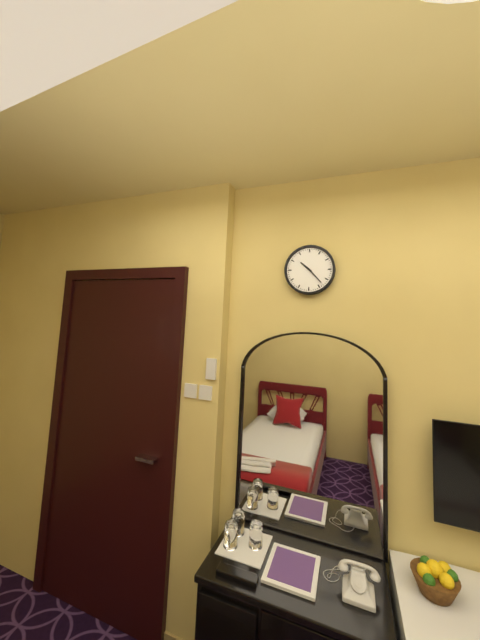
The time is 10:23
